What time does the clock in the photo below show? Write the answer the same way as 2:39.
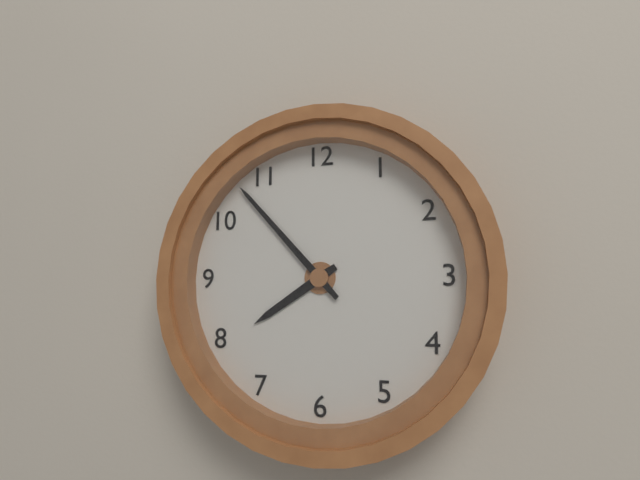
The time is 7:53
